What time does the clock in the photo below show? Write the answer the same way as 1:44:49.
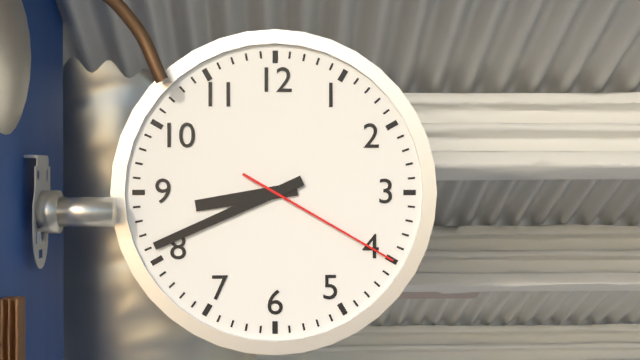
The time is 8:41:20
